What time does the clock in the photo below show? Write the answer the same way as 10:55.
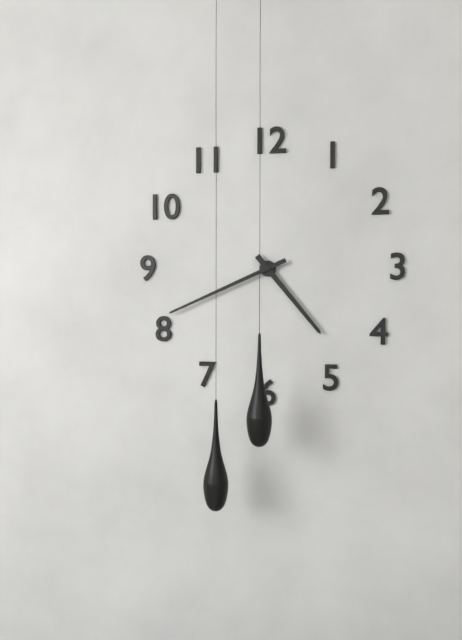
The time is 4:41
